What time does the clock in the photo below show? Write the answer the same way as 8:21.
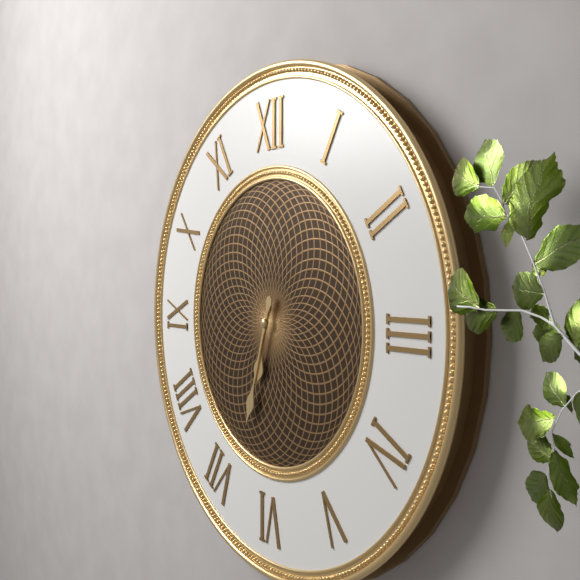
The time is 6:33
